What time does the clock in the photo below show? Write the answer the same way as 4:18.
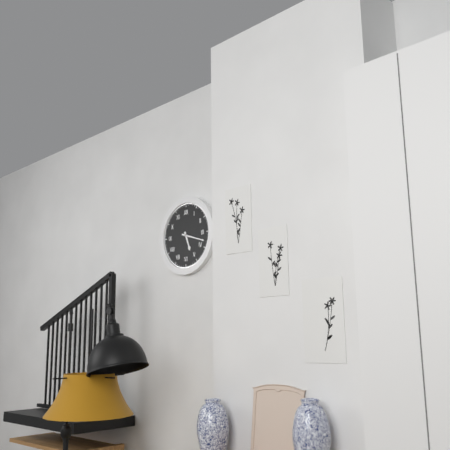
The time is 5:18
